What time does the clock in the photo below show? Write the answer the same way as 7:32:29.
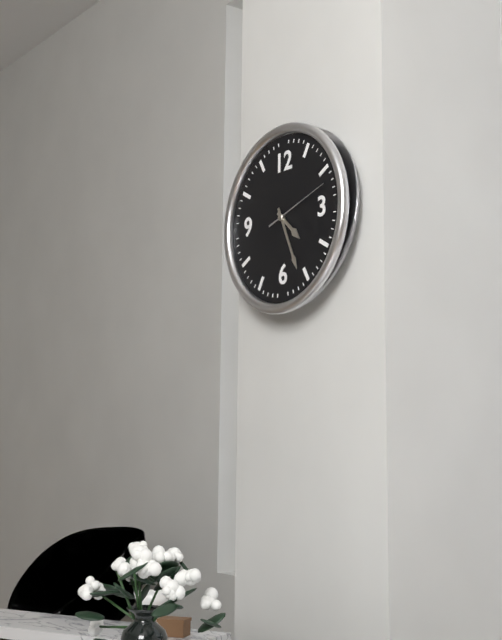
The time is 4:26:12
